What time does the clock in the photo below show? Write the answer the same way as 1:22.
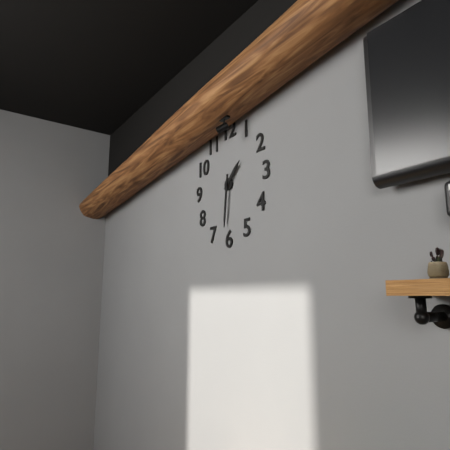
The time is 1:31
